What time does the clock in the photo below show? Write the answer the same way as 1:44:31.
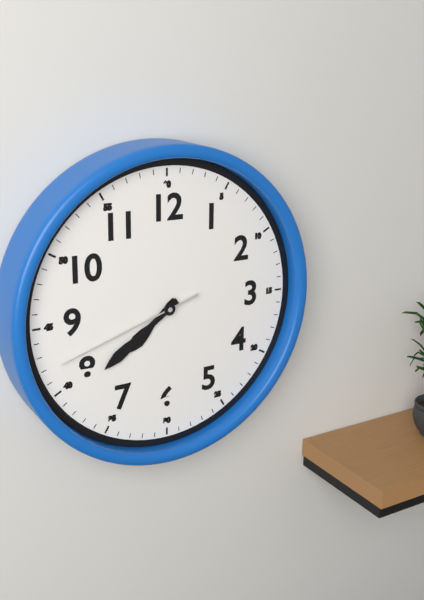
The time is 7:39:42
